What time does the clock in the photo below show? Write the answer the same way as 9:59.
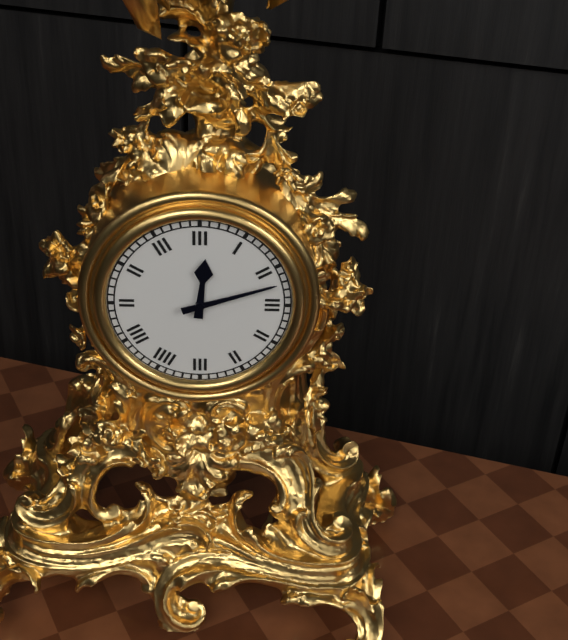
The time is 12:12
